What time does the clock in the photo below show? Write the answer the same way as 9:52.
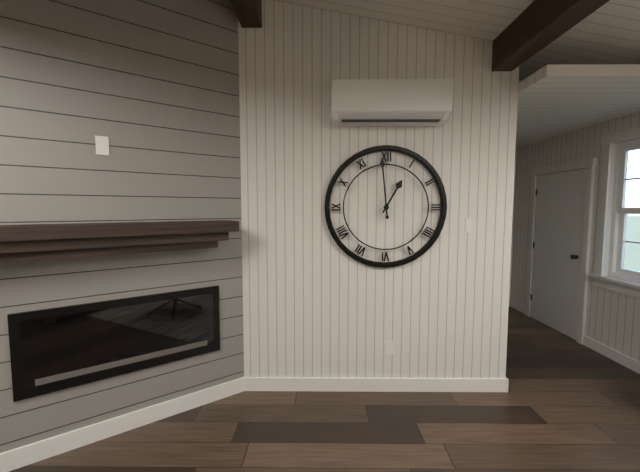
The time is 12:59
